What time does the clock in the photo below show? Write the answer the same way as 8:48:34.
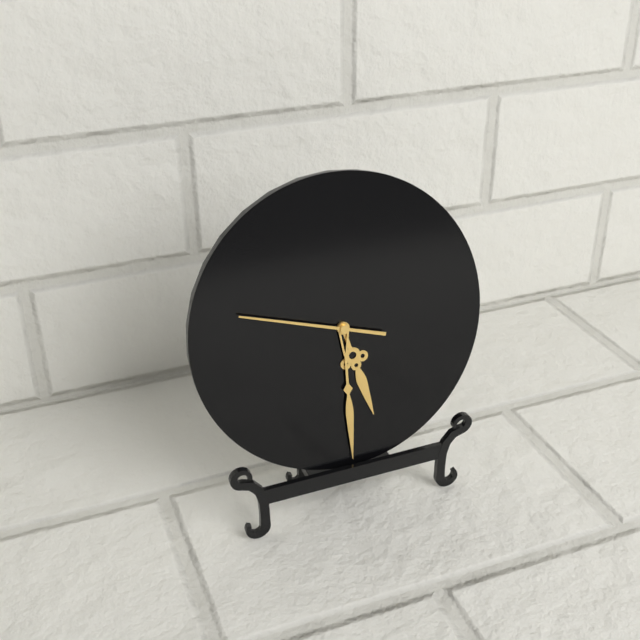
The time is 5:30:48
